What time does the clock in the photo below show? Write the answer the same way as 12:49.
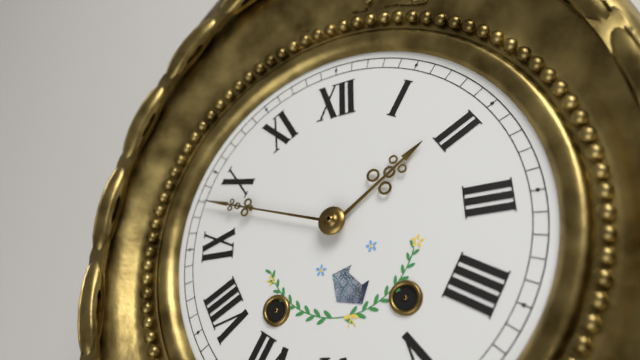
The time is 1:48
